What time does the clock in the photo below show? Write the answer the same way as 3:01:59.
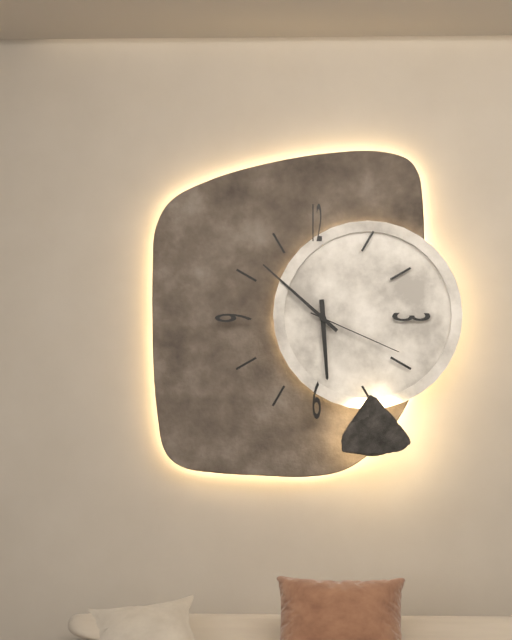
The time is 5:52:19
